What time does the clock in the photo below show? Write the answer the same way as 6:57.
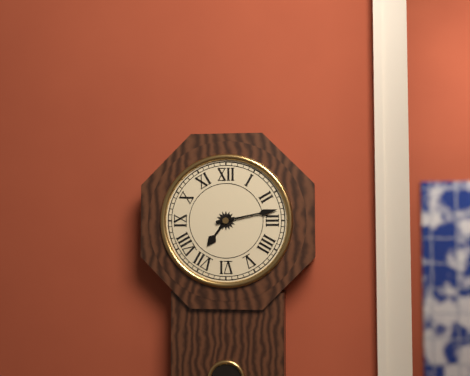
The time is 7:13
